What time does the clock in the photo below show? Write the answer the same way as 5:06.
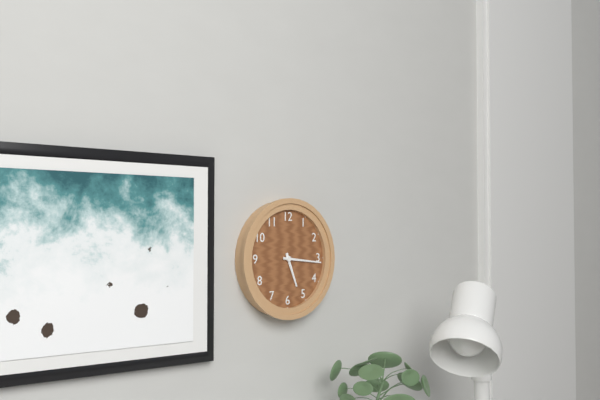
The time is 5:16
